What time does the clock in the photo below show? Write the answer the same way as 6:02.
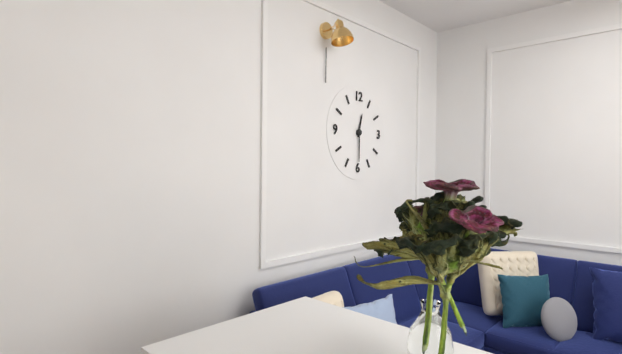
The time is 12:30
